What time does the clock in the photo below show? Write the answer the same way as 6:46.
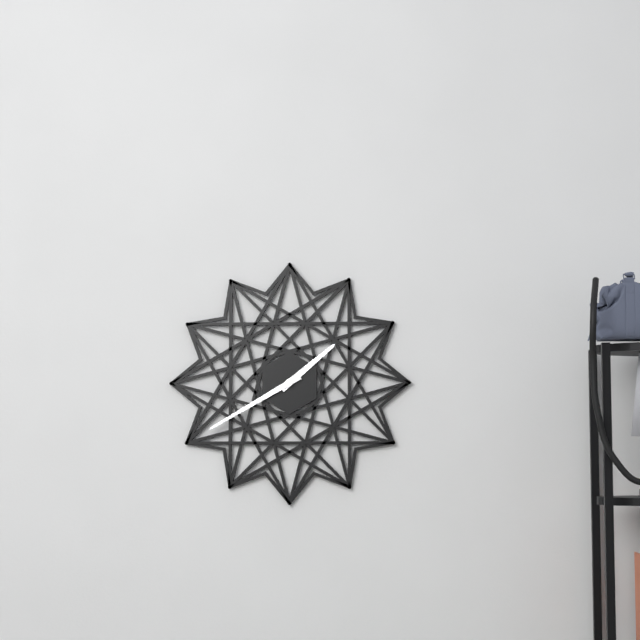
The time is 1:40
